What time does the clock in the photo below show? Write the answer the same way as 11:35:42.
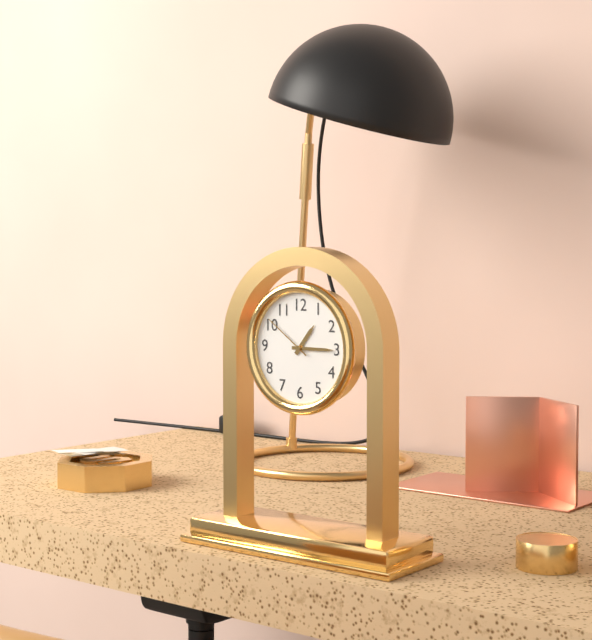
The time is 1:15:51
